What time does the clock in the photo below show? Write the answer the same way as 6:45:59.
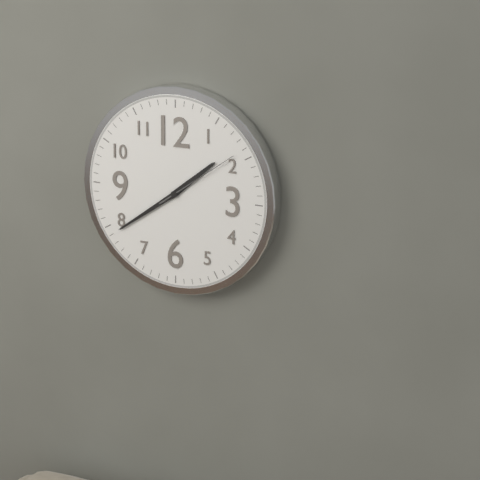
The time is 1:39:09
